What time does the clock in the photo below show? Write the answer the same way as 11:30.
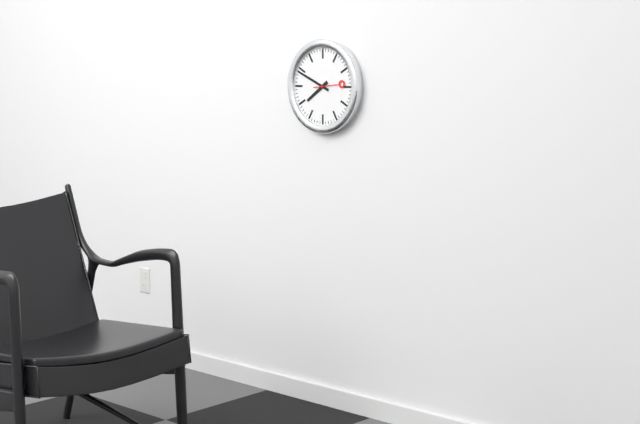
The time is 7:49
